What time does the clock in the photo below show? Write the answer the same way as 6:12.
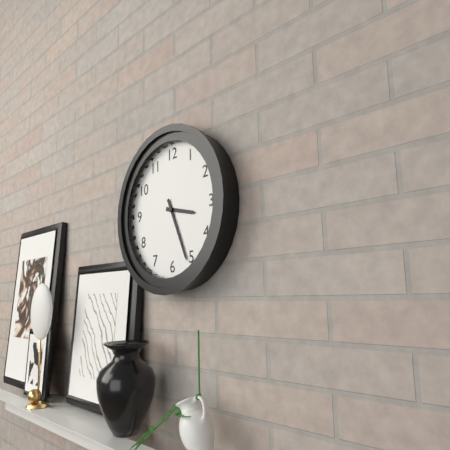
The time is 3:26
